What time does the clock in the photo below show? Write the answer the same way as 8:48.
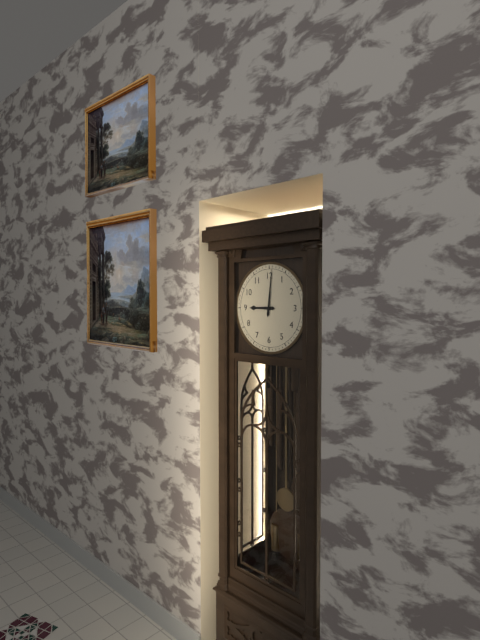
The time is 9:01
